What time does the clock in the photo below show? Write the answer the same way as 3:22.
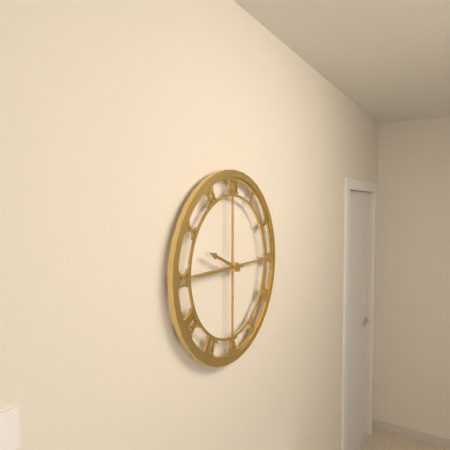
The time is 9:45
